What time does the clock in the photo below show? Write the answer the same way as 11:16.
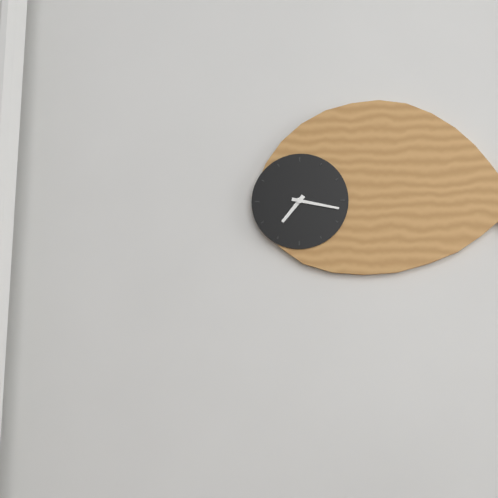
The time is 7:17
